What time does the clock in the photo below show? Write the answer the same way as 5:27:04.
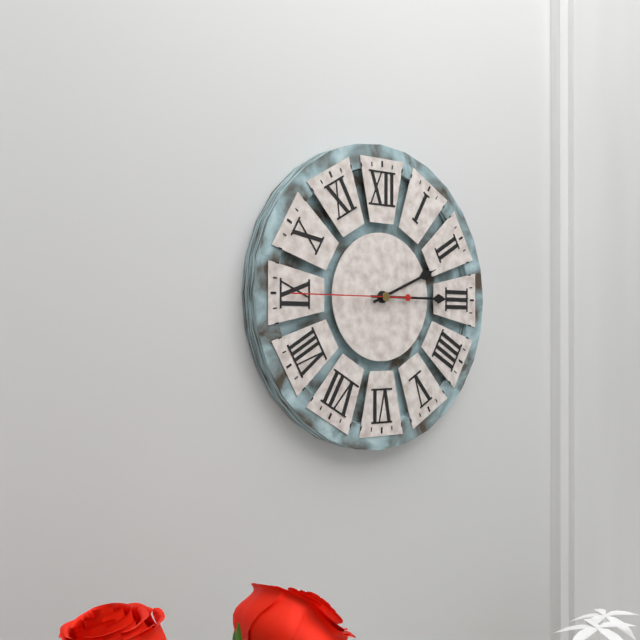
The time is 2:15:45
